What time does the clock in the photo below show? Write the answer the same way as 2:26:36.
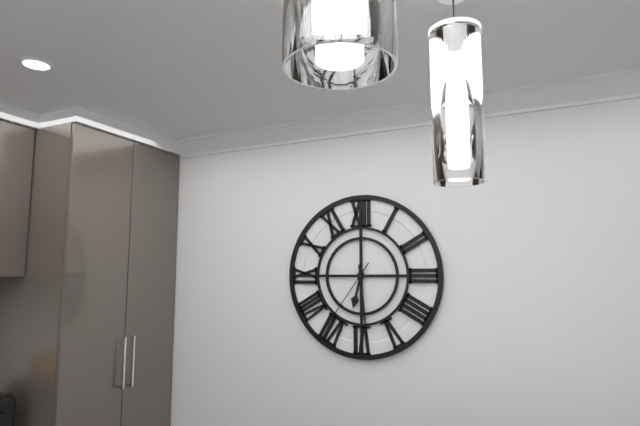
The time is 6:29:36
